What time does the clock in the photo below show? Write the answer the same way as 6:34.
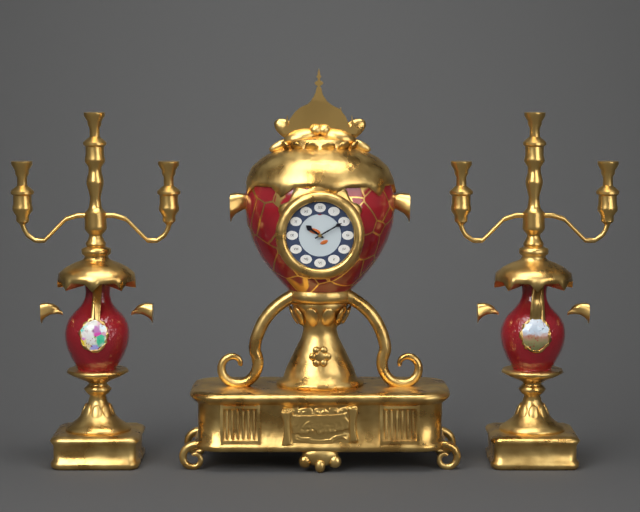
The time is 10:10
